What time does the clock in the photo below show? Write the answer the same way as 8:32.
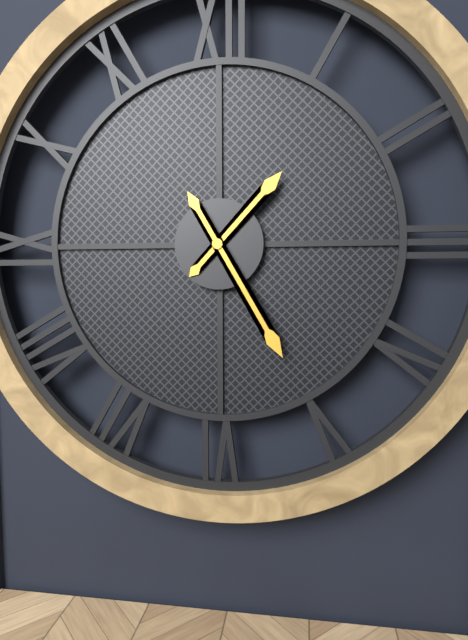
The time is 1:25
